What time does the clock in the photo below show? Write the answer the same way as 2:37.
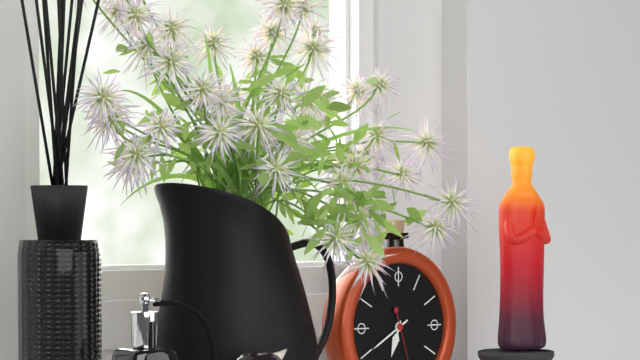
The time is 6:40
